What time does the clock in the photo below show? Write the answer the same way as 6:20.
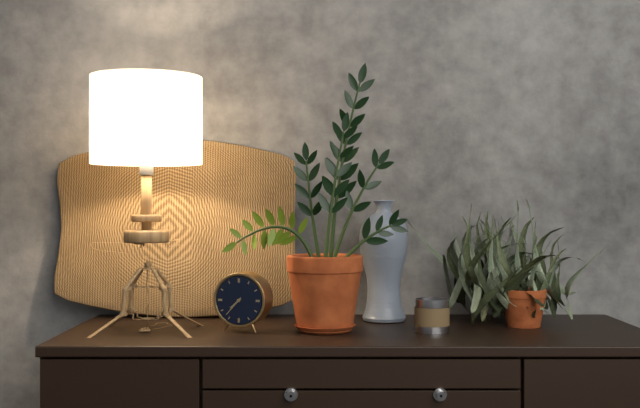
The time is 7:37
